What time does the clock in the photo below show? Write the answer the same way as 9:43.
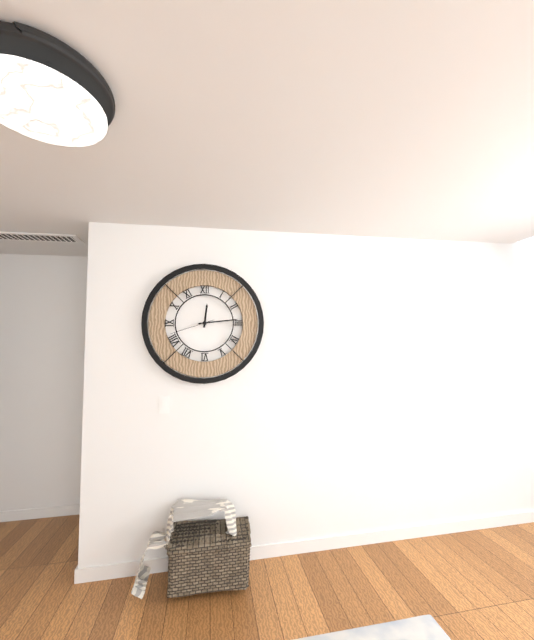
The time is 12:14
